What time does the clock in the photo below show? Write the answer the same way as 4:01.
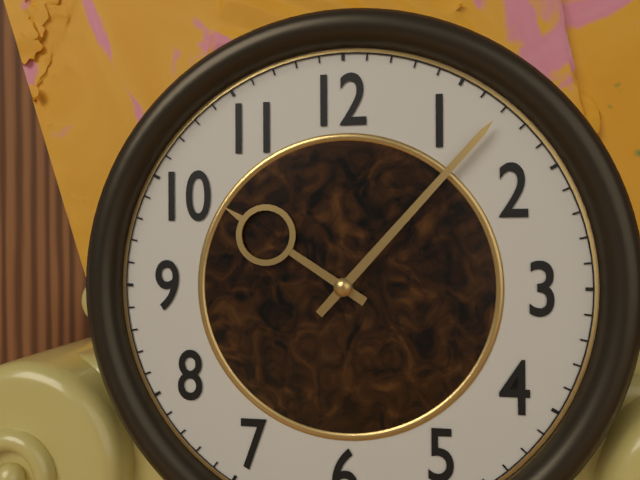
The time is 10:07
